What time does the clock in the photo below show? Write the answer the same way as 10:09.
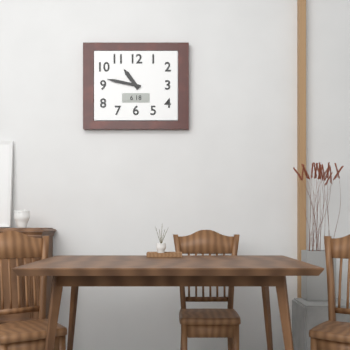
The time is 10:47
